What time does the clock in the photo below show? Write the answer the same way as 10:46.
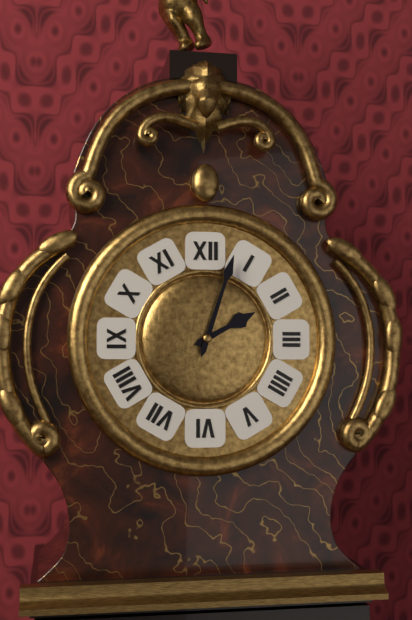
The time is 2:03
